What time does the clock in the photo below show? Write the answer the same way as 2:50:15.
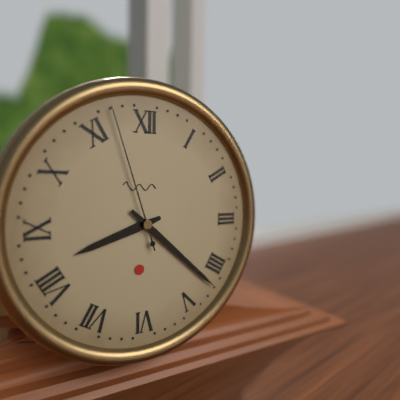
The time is 8:22:57
